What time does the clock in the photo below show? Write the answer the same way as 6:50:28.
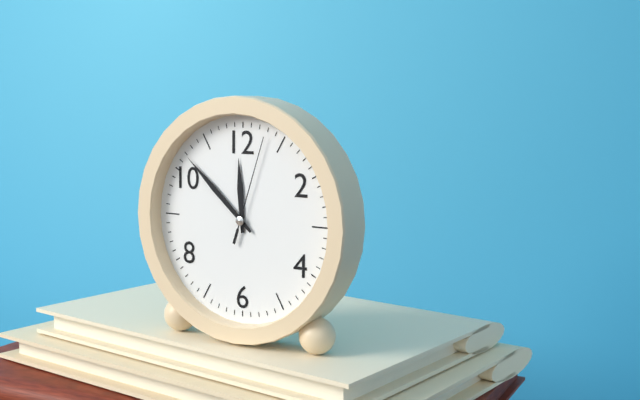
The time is 11:52:03
